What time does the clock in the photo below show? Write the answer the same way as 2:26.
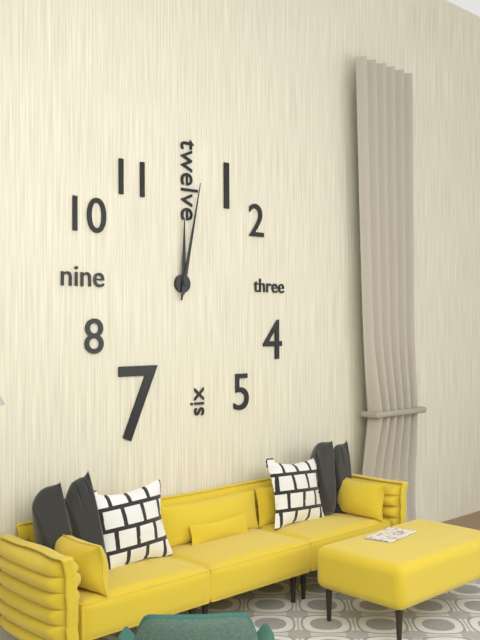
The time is 12:02
